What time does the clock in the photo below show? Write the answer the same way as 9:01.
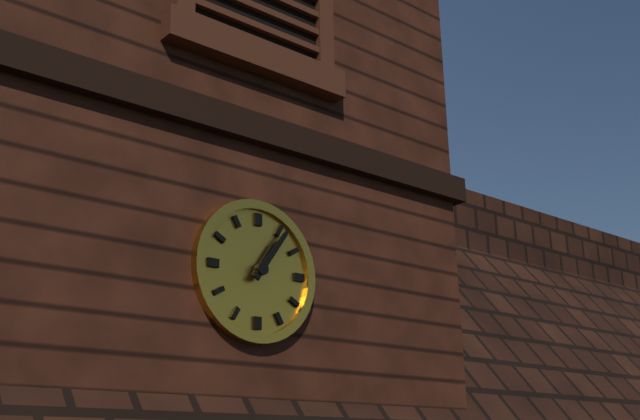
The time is 1:06
